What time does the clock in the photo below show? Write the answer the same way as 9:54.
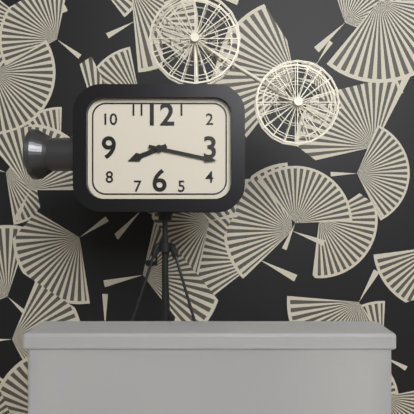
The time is 8:17
